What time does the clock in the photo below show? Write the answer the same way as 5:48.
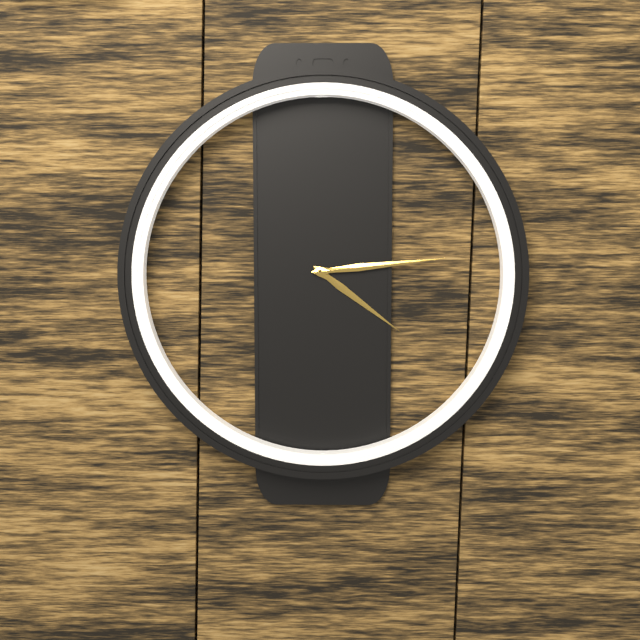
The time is 4:14
